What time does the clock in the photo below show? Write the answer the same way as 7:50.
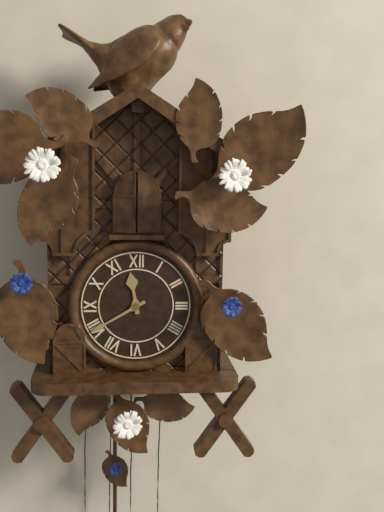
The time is 11:40
